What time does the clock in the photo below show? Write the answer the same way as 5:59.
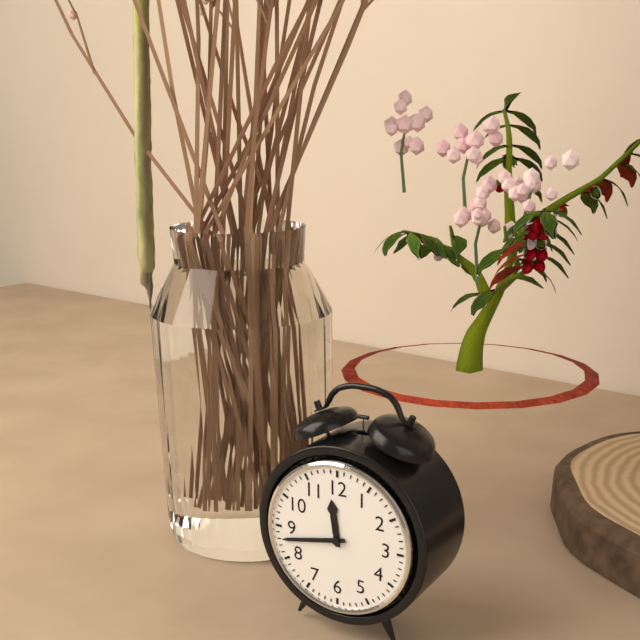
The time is 11:43
